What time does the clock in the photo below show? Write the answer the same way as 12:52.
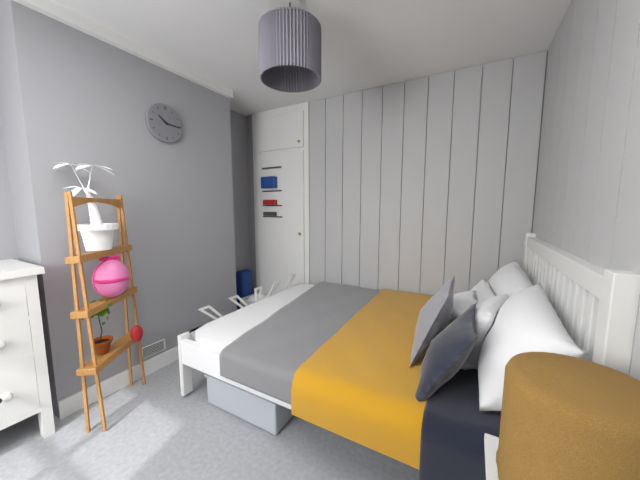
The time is 10:16
